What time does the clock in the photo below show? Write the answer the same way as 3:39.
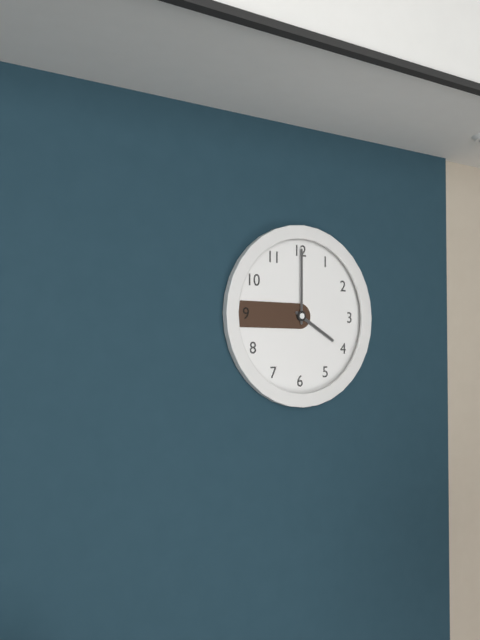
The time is 4:00
